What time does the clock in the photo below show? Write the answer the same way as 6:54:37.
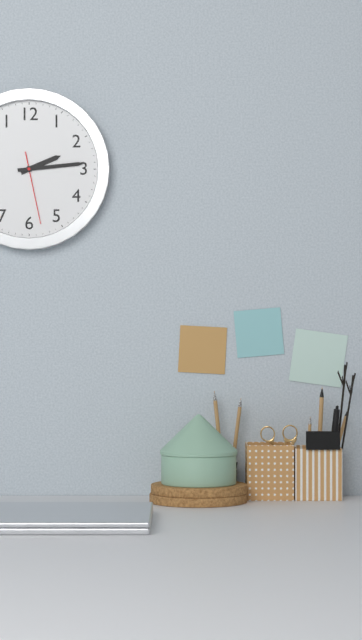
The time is 2:14:28
